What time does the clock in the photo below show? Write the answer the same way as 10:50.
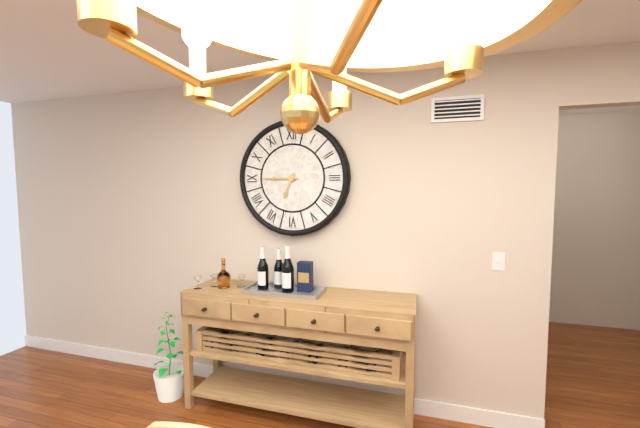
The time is 6:45
